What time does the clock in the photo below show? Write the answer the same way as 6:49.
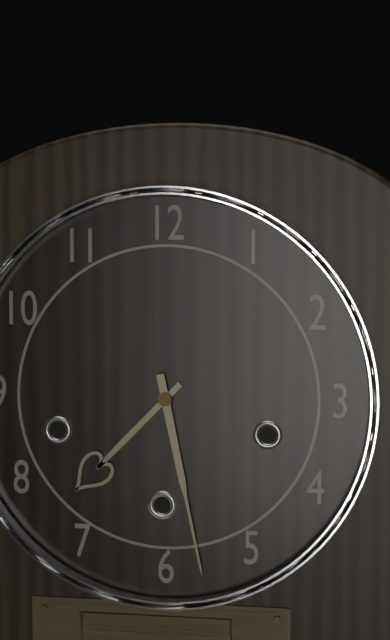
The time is 7:28
